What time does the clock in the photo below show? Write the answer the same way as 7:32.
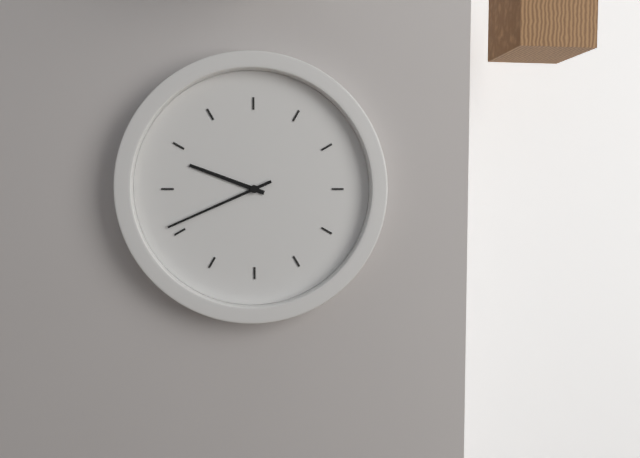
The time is 9:41
